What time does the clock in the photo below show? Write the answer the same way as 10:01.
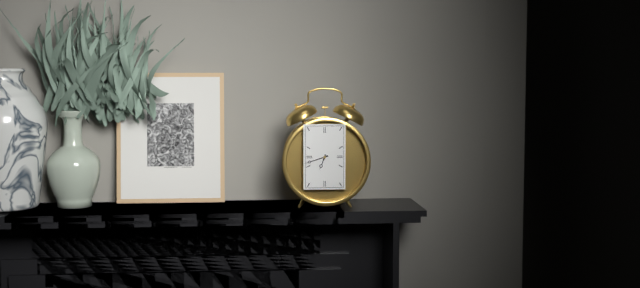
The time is 6:42
